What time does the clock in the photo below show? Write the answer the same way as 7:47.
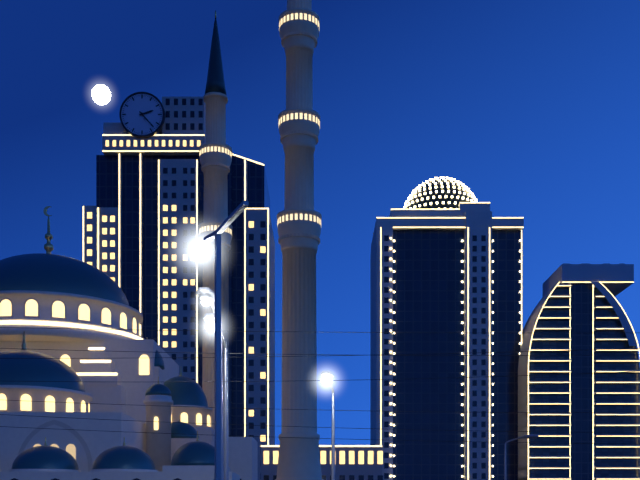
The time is 2:23
